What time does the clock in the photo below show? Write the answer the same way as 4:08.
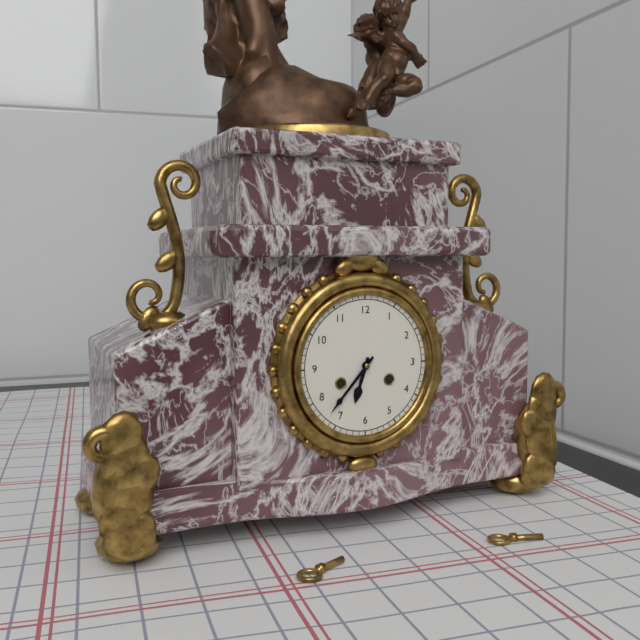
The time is 6:37
